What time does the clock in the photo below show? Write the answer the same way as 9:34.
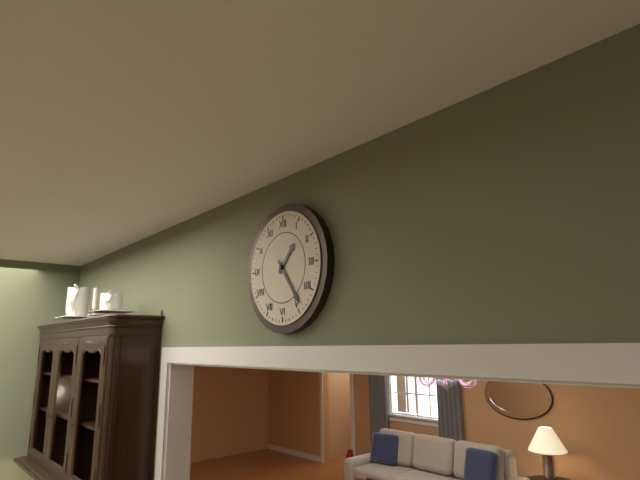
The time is 1:24
